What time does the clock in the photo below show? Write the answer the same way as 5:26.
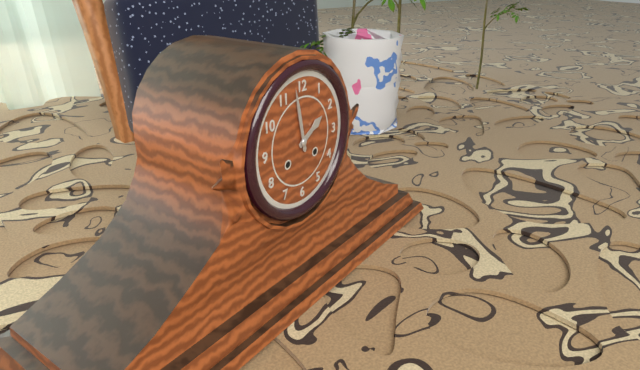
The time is 1:58
